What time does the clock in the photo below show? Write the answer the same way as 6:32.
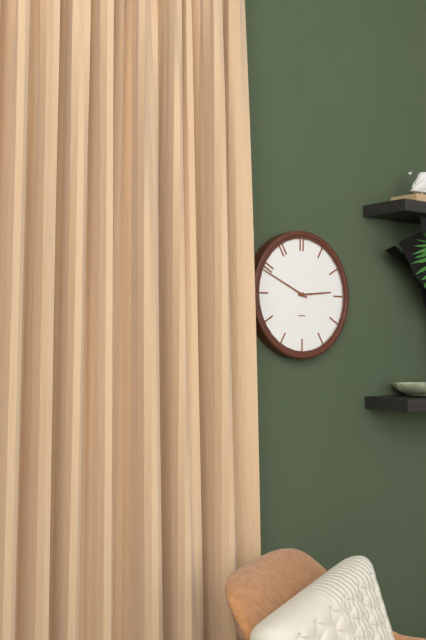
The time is 2:49
